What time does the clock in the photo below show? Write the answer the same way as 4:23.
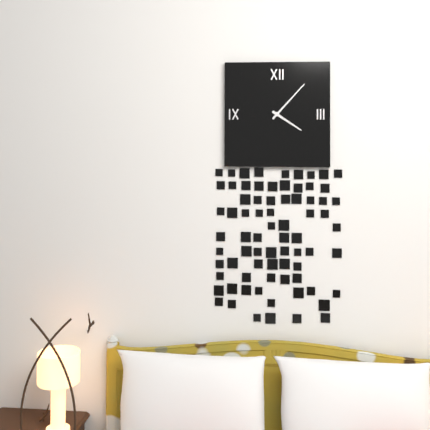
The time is 4:07
